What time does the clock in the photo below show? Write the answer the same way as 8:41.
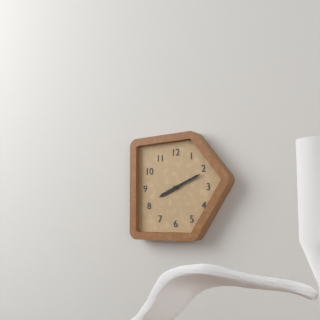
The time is 8:11
